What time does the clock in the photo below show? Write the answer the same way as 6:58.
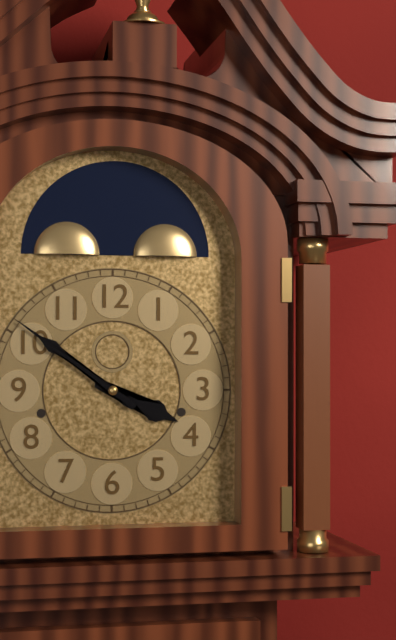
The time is 3:51
